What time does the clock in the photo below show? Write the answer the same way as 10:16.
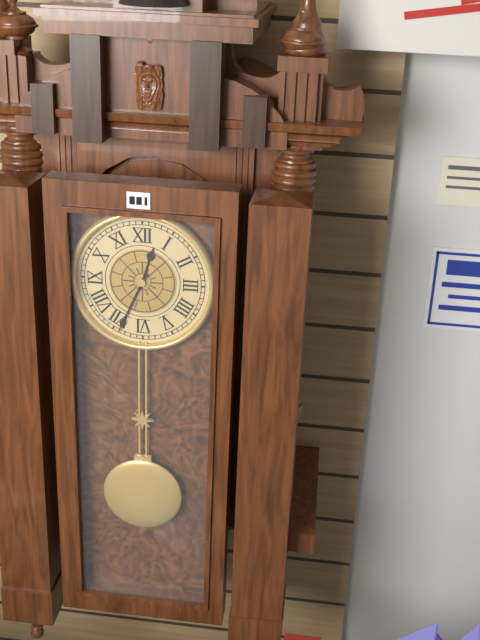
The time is 12:34
